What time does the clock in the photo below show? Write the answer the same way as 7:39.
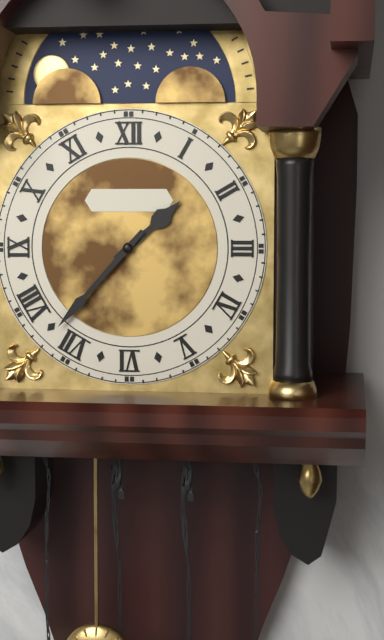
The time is 1:37
